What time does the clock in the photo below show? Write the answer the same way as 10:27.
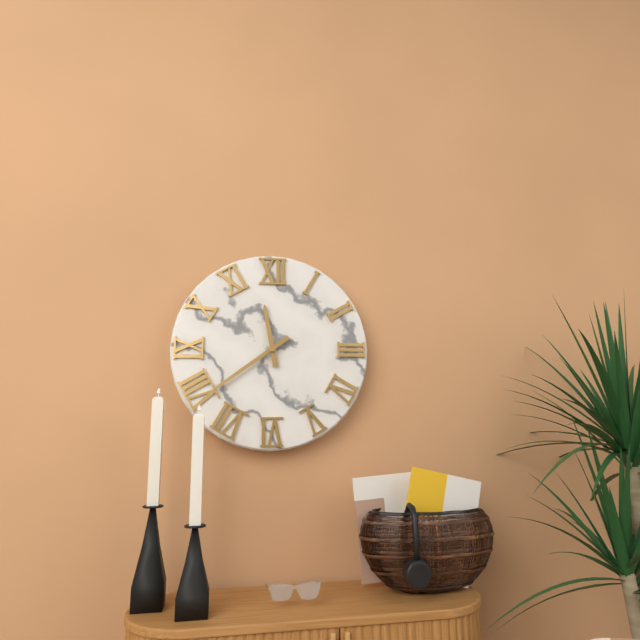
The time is 11:39
